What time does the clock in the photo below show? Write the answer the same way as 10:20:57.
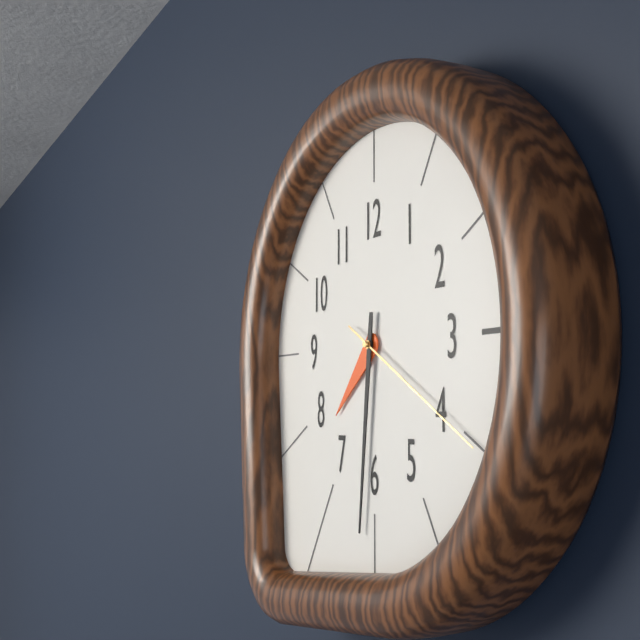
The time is 7:31:20
